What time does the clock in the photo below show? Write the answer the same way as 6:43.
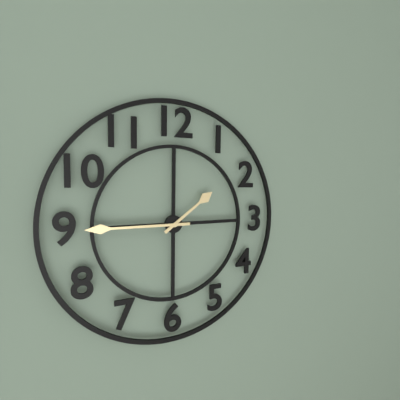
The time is 1:45
